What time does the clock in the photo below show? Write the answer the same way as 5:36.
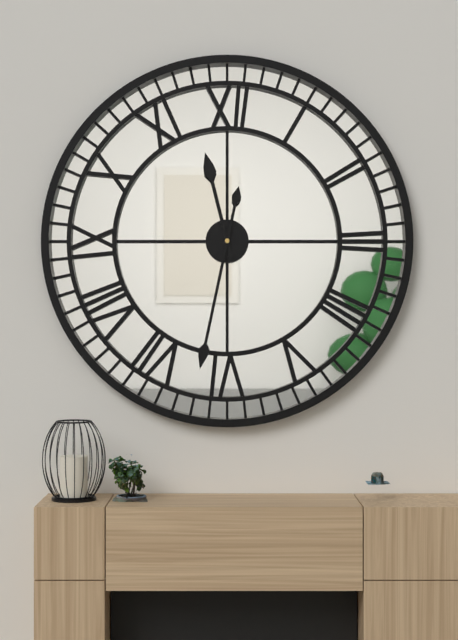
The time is 11:32
